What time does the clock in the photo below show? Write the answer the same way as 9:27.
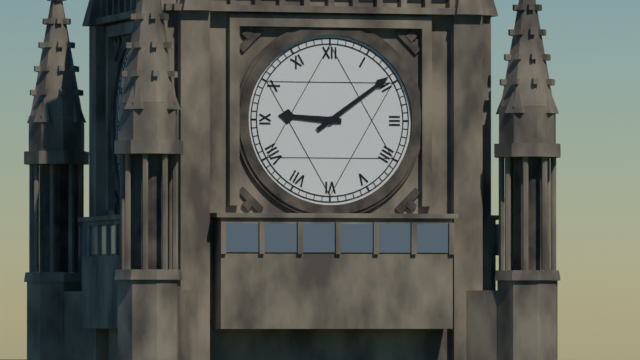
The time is 9:09
